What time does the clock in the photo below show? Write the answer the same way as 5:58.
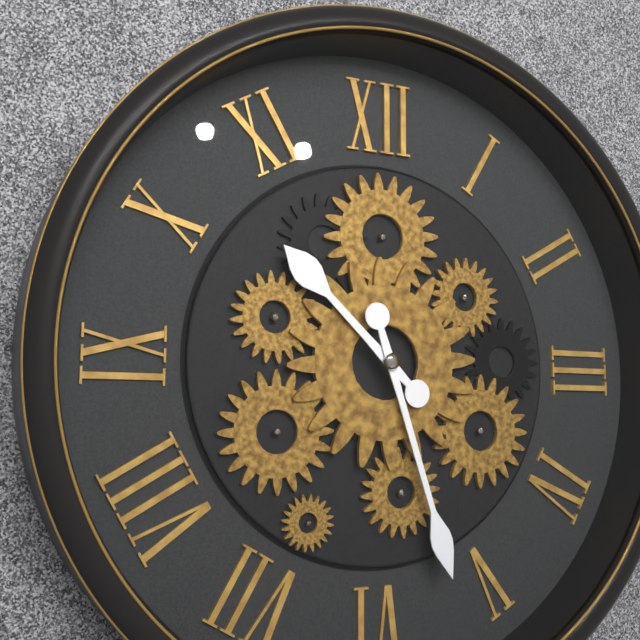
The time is 10:27
